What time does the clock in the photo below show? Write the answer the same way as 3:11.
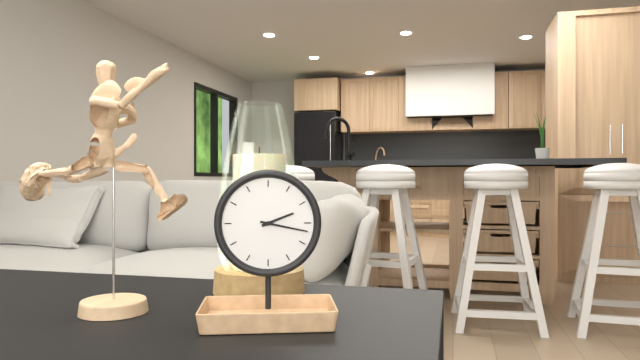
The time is 2:17
